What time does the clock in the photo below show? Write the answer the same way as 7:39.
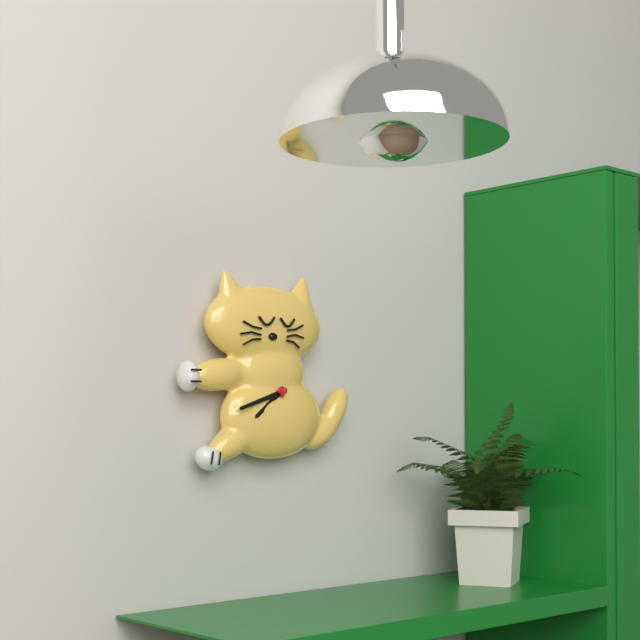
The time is 7:42
